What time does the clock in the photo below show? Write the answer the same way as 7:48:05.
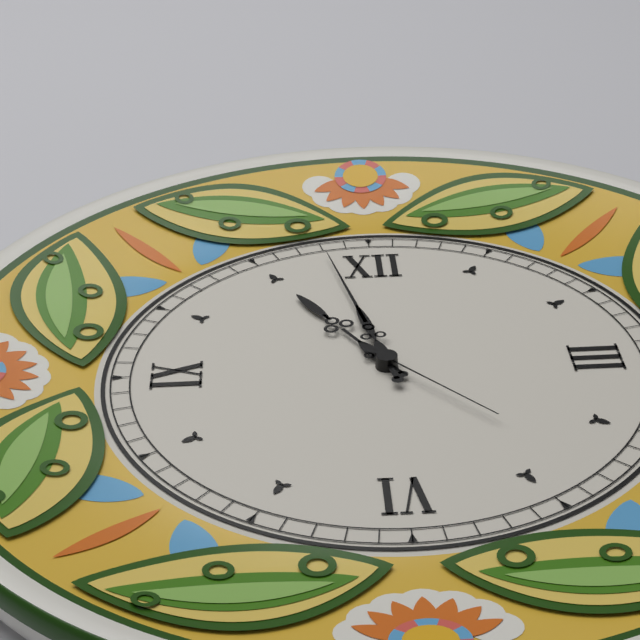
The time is 10:58:23
